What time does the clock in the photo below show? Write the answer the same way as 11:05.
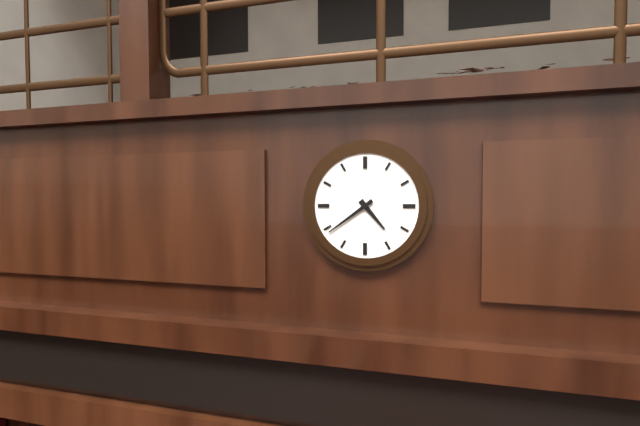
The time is 4:39
